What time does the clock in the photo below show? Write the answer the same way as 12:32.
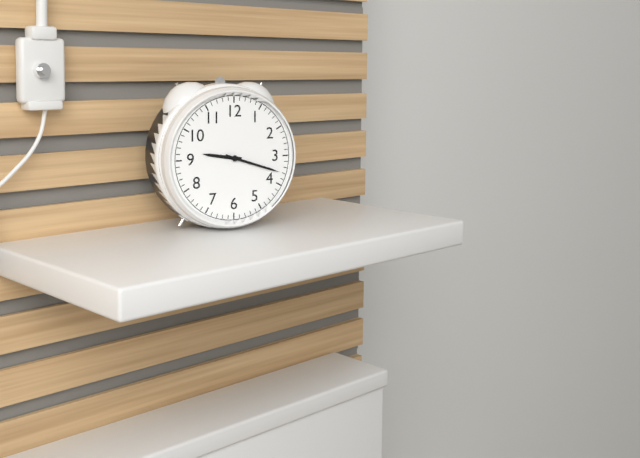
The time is 9:18
